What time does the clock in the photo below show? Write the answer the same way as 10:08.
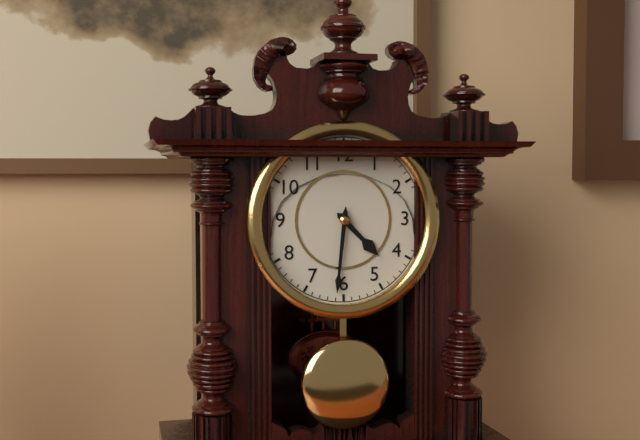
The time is 4:31
